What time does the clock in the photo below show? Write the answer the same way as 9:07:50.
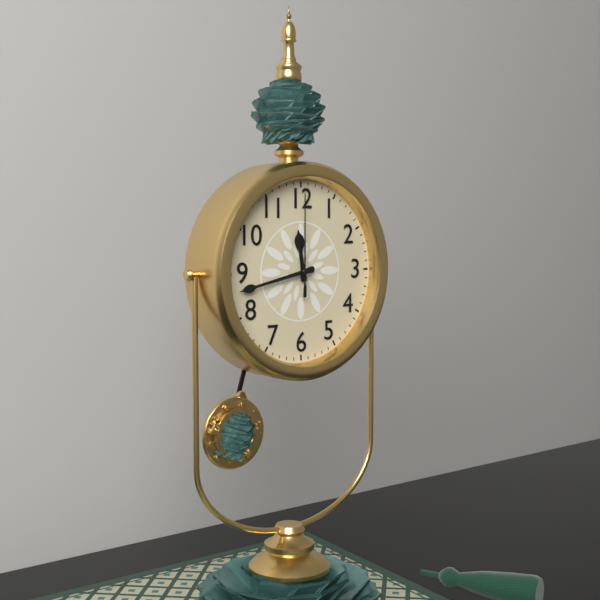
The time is 11:43:00
